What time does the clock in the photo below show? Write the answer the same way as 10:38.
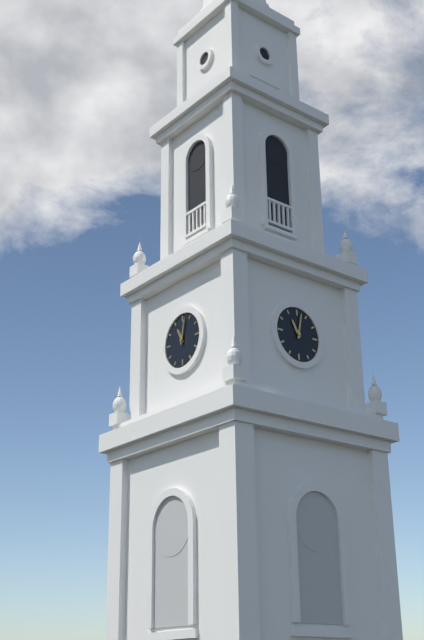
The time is 11:02
